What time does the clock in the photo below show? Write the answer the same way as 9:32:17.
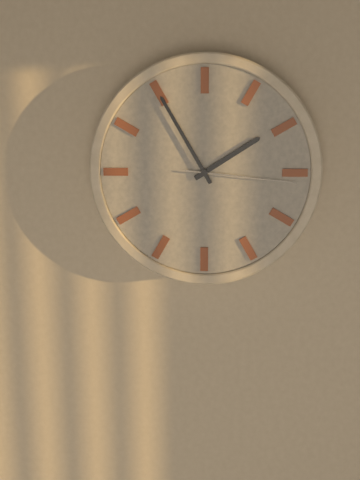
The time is 1:55:16
